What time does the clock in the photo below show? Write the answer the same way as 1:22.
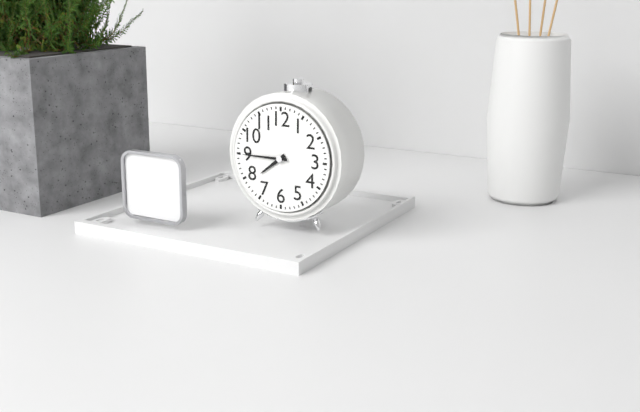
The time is 7:45
